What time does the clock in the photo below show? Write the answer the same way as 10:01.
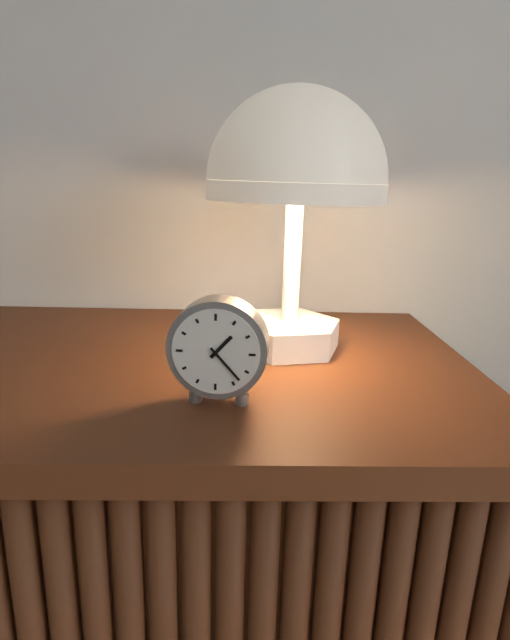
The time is 1:23
